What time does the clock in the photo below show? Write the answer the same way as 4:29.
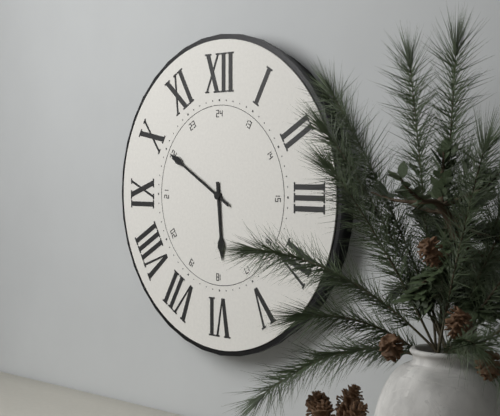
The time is 5:50
